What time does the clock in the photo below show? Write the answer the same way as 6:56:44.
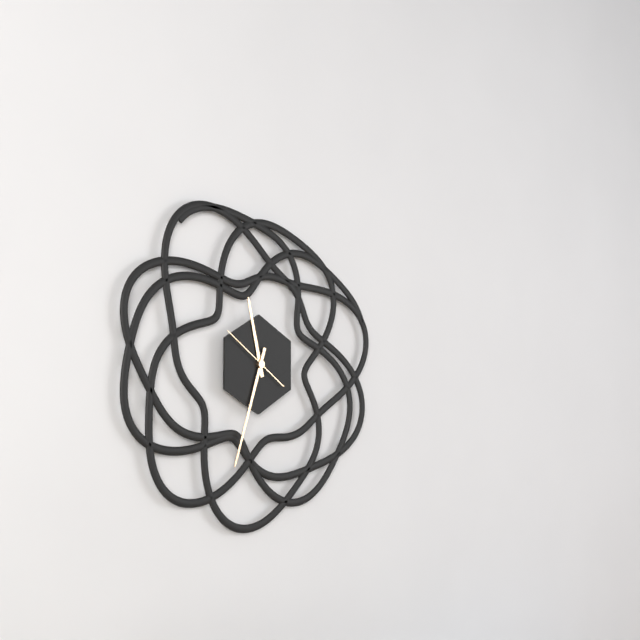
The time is 11:33:51
